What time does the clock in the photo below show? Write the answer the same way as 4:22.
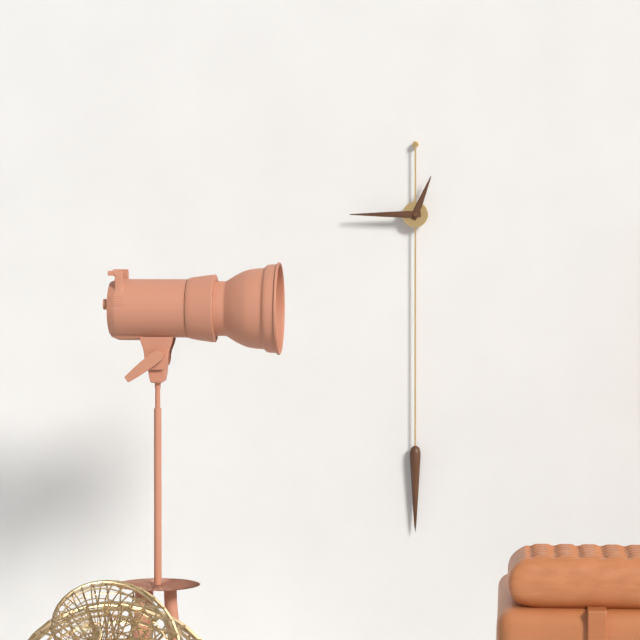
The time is 12:45
